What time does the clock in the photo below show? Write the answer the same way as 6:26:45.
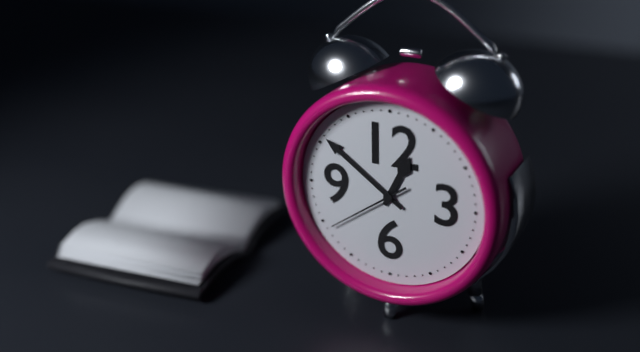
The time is 12:51:39
